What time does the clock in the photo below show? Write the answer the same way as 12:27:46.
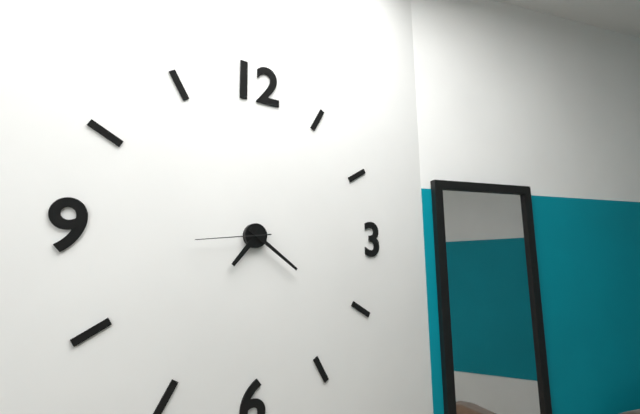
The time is 7:21:44
